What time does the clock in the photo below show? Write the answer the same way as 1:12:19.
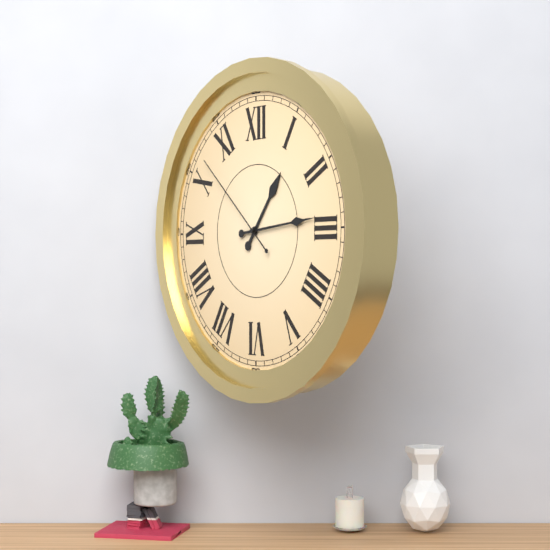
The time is 1:14:52
